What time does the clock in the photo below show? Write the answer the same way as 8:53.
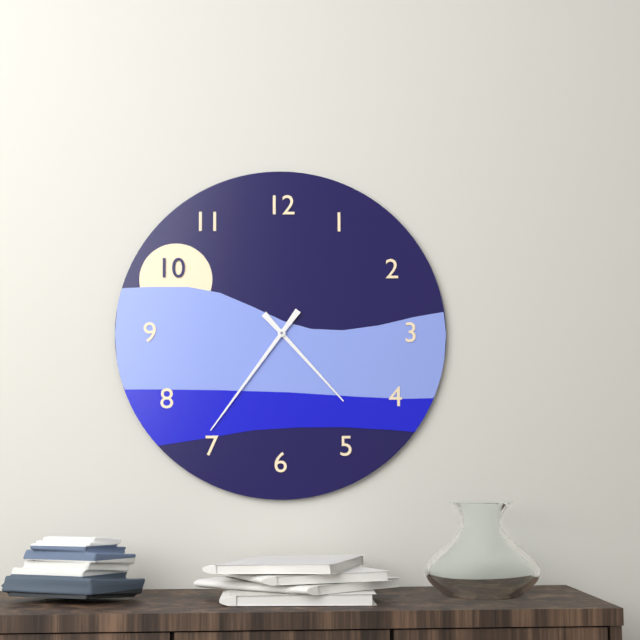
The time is 4:36
